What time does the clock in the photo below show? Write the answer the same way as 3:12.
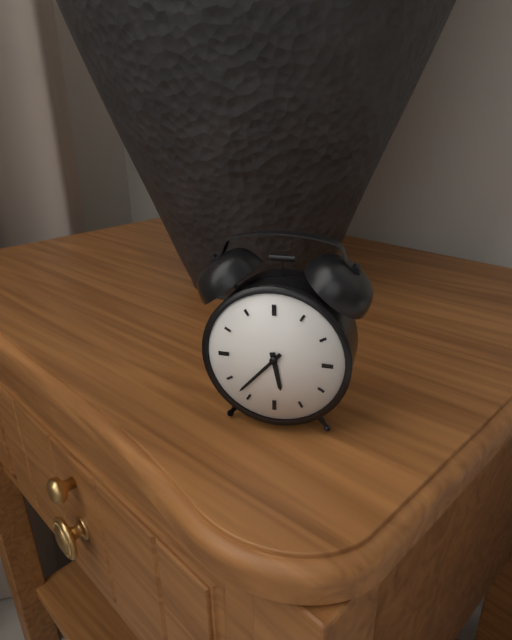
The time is 5:37
